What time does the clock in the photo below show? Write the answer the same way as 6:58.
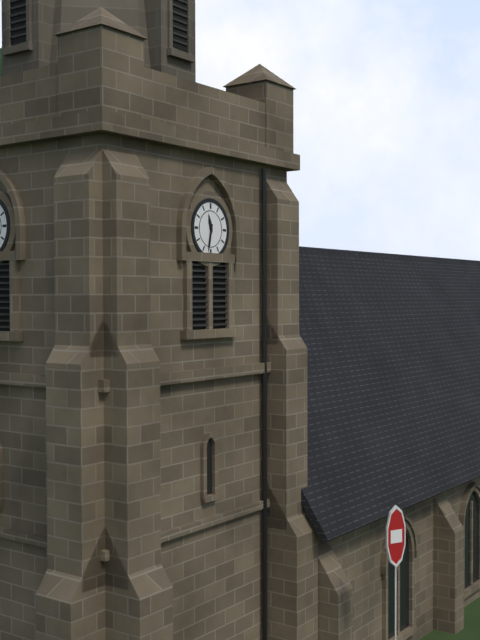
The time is 11:32
